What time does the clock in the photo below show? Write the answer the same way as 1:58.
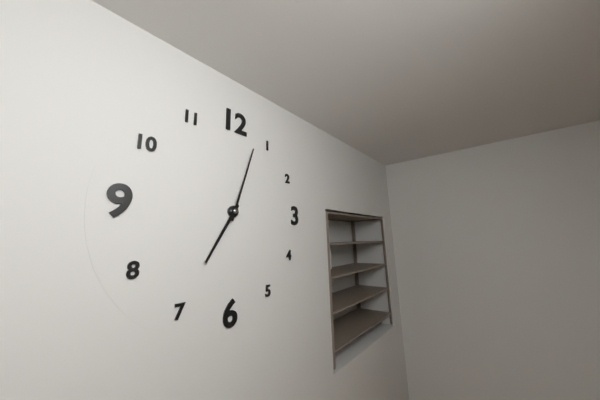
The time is 7:03
